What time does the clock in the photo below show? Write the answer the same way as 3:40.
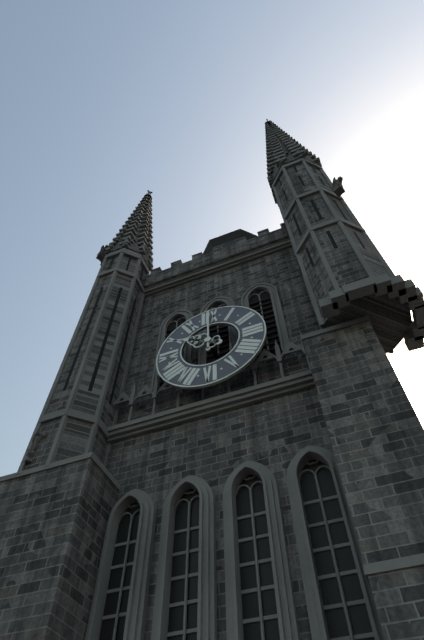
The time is 10:00
